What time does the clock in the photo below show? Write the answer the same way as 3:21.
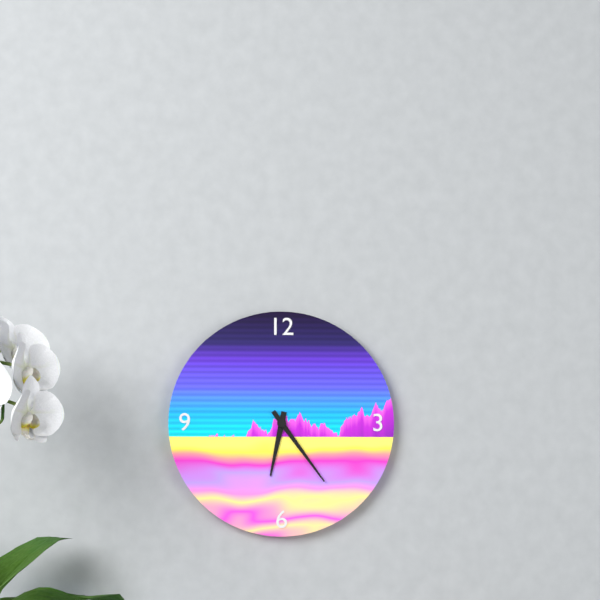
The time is 6:24
